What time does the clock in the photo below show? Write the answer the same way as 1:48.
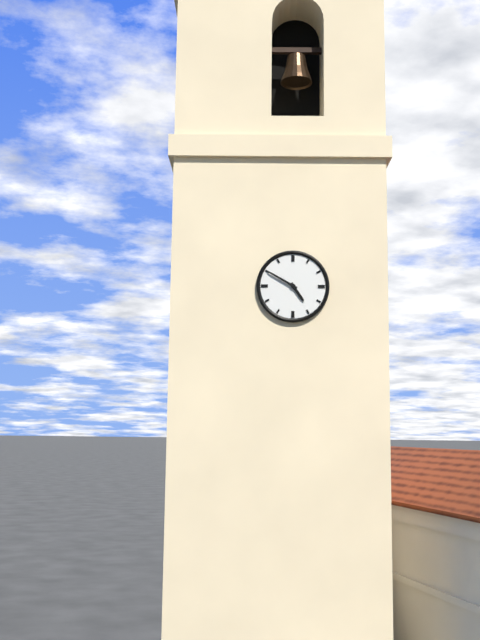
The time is 4:50
